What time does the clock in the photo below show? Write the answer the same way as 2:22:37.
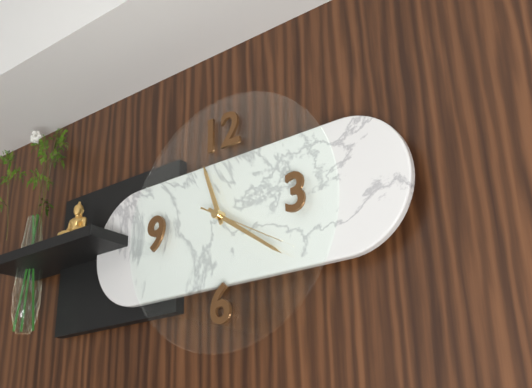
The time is 11:21:20
